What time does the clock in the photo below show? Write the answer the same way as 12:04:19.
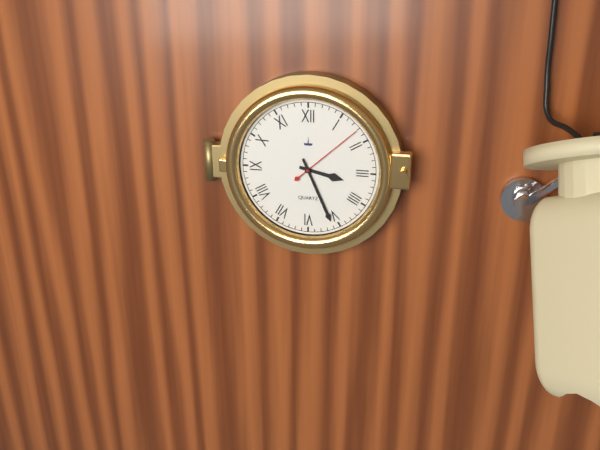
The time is 3:26:08
